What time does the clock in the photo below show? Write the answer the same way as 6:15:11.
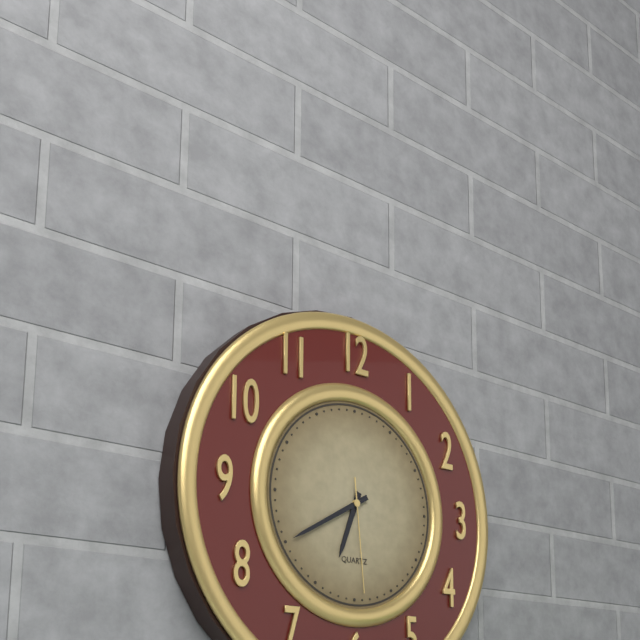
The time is 6:40:29
